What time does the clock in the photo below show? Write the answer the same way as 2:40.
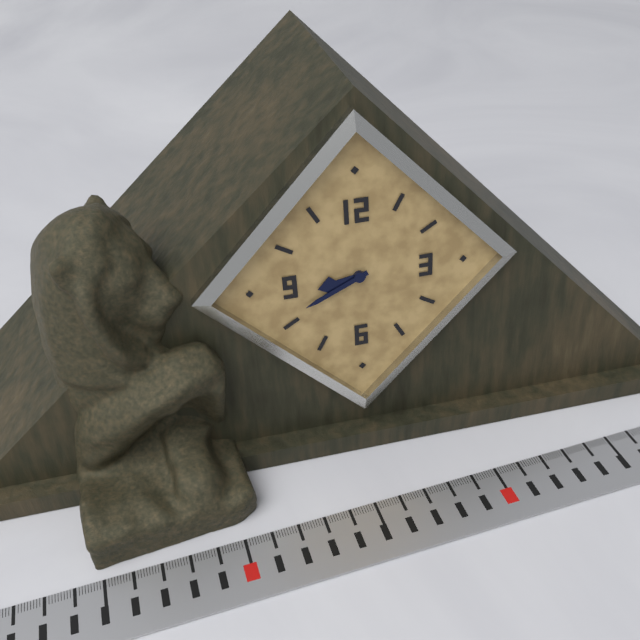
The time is 8:41
